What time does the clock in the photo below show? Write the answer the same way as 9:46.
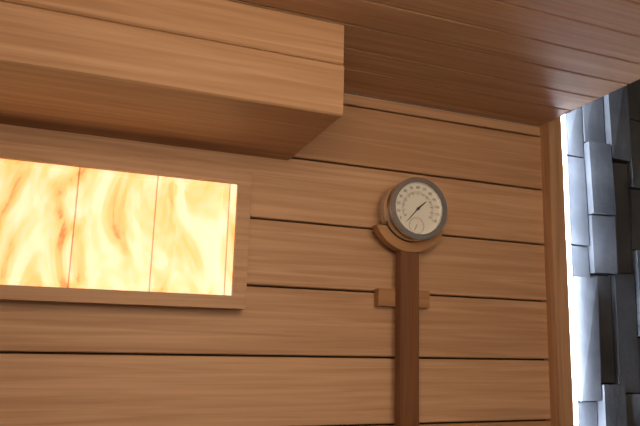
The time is 1:37
